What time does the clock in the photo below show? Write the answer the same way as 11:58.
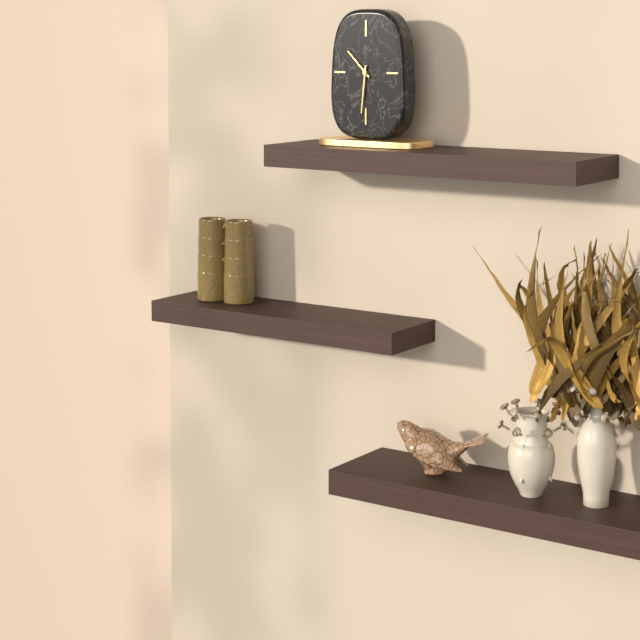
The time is 10:31
